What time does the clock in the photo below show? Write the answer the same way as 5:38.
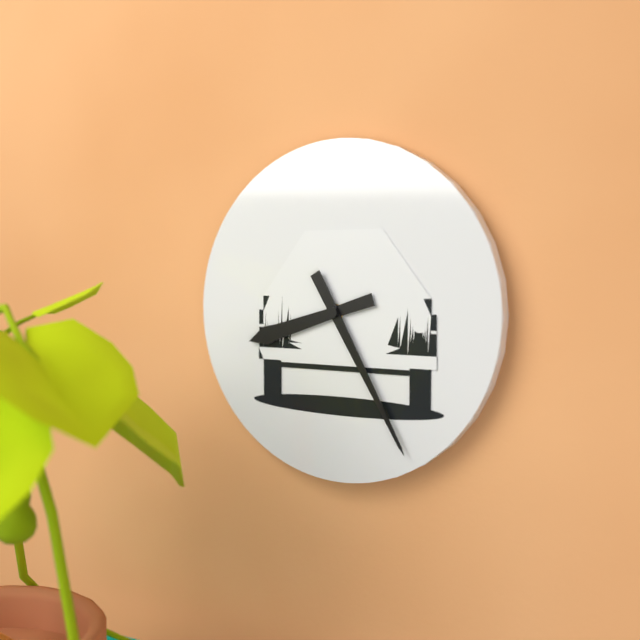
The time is 8:25
